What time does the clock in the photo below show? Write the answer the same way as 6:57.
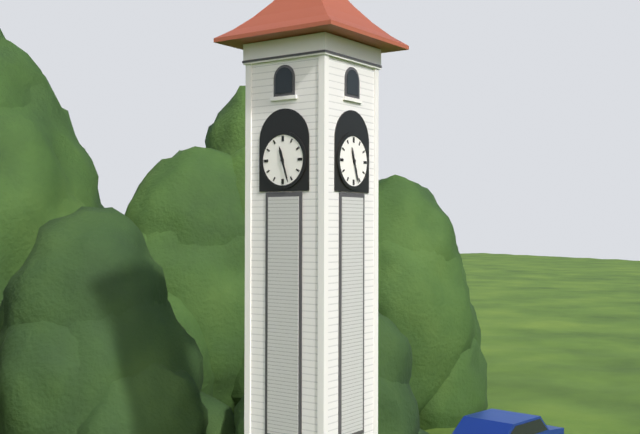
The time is 11:27
